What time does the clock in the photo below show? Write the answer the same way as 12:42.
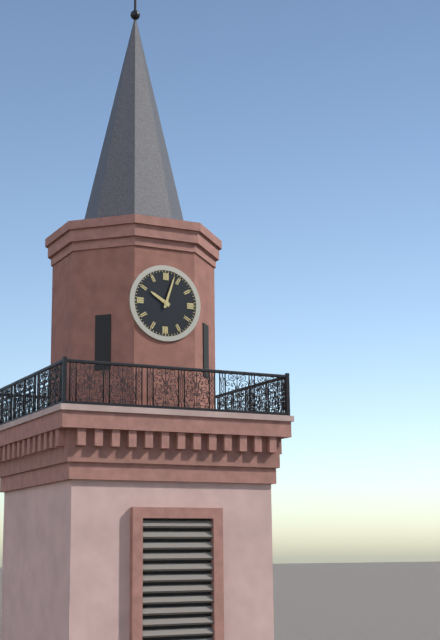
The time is 10:03
